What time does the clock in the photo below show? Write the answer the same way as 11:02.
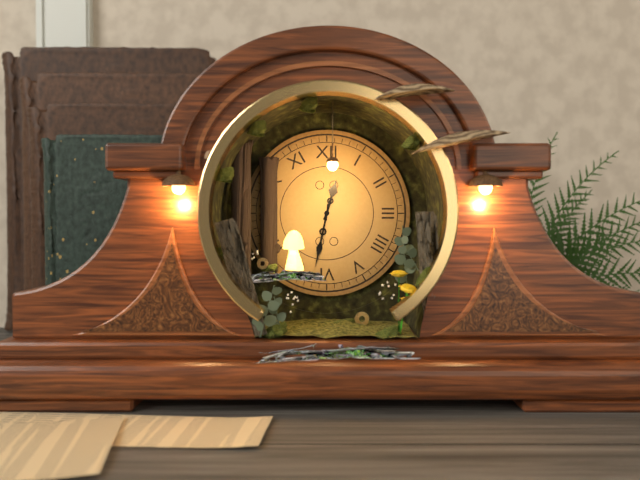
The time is 12:32
